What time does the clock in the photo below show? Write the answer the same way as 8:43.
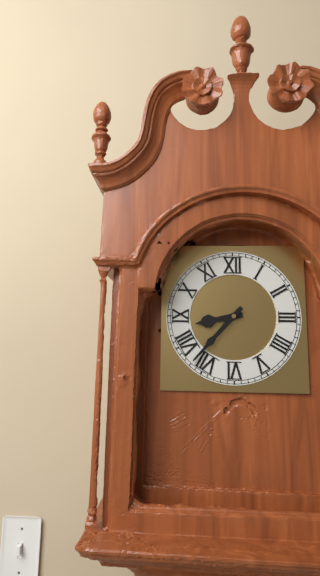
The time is 8:37
